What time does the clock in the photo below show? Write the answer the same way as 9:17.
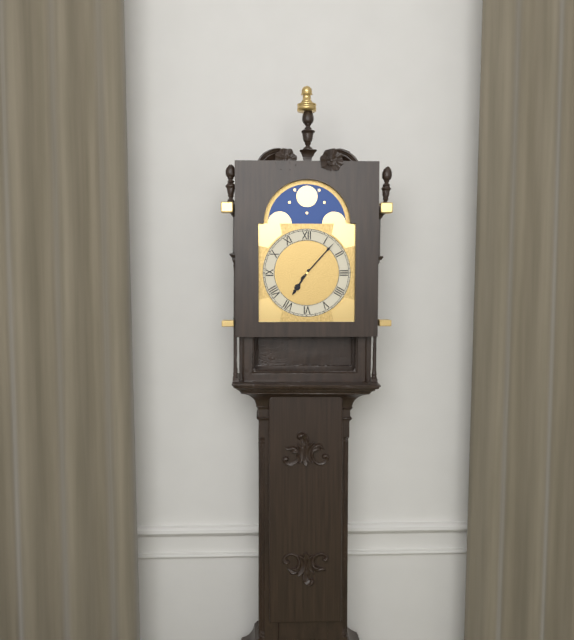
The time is 7:07
